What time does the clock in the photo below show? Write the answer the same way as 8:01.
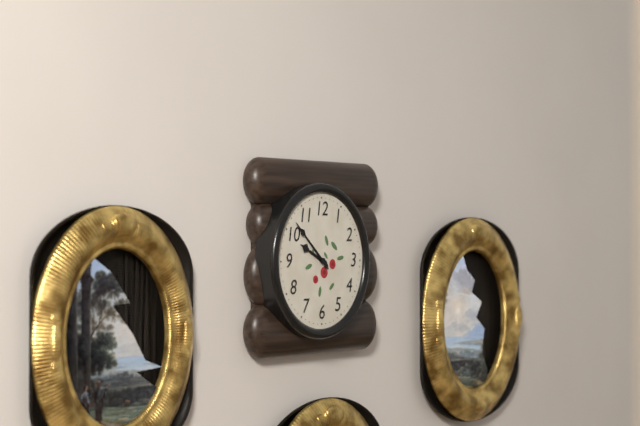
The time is 9:52
